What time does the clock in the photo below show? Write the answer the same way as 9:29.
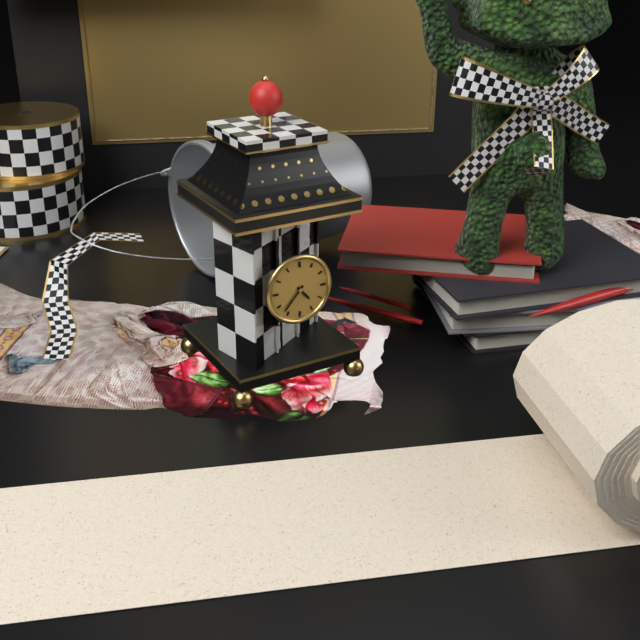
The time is 4:37
